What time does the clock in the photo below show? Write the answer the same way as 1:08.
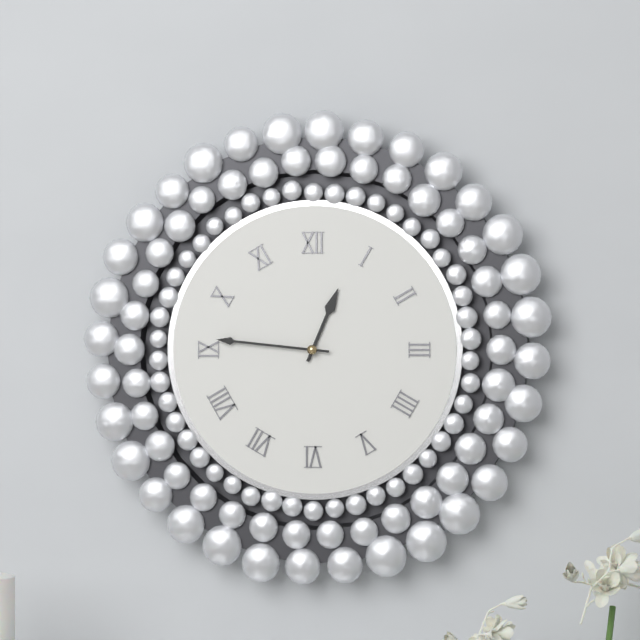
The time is 12:46
